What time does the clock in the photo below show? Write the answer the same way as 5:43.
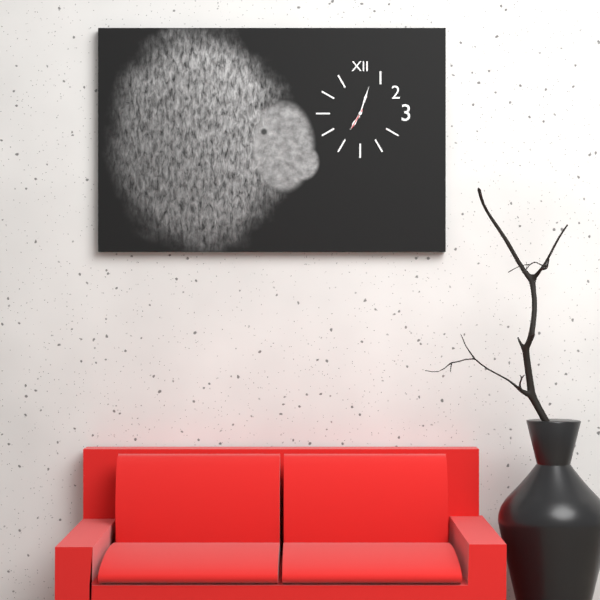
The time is 7:03
